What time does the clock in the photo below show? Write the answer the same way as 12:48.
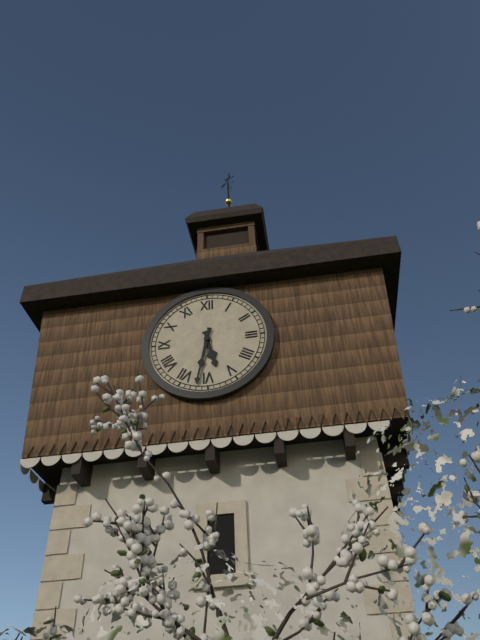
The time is 5:32
